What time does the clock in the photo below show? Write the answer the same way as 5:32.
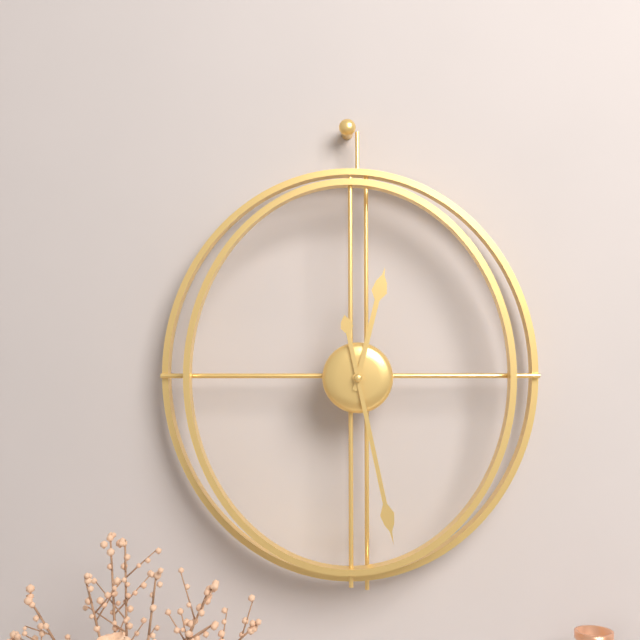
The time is 12:28
